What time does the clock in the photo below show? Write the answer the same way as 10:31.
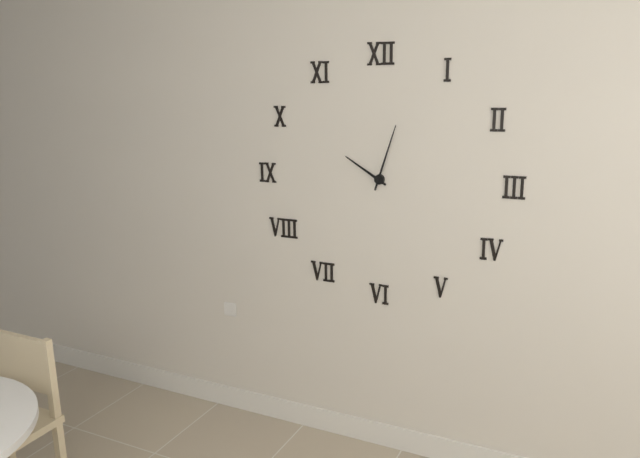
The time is 10:03
